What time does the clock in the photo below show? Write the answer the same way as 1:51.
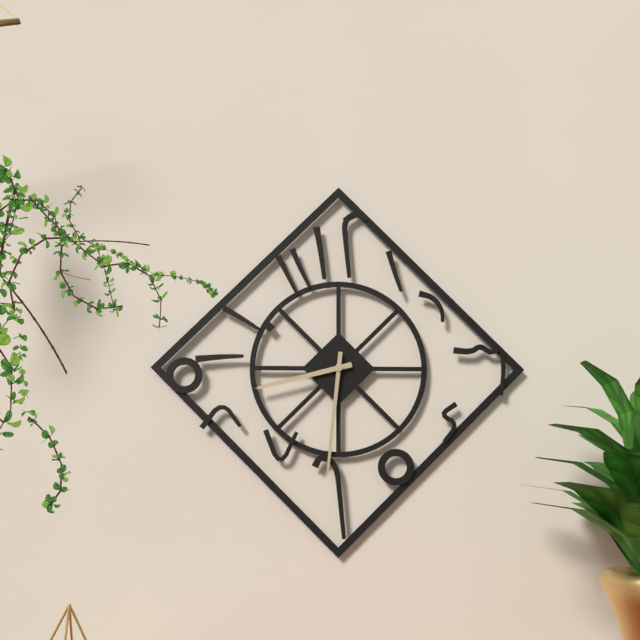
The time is 8:31
